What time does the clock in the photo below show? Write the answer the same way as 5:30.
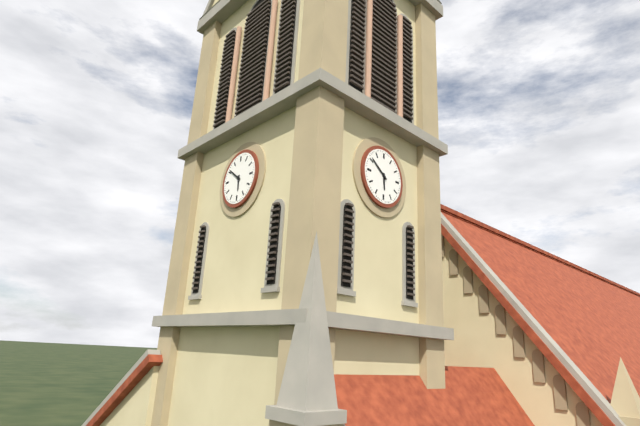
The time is 5:51
